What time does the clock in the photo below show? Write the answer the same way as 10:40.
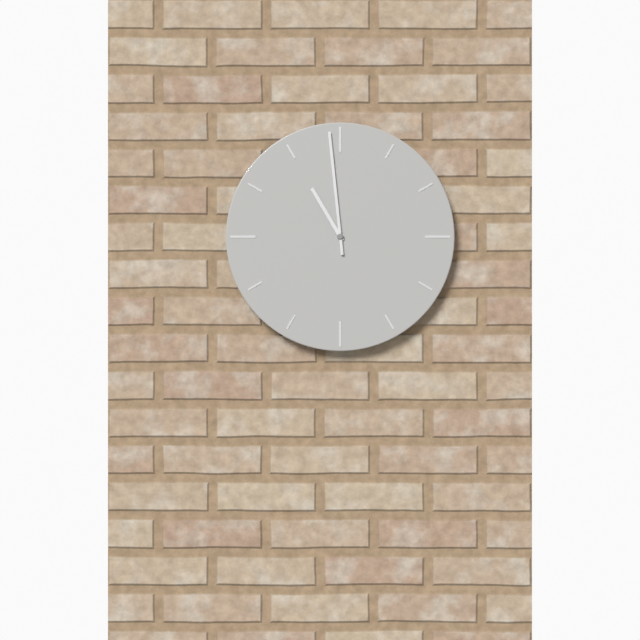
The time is 10:59
